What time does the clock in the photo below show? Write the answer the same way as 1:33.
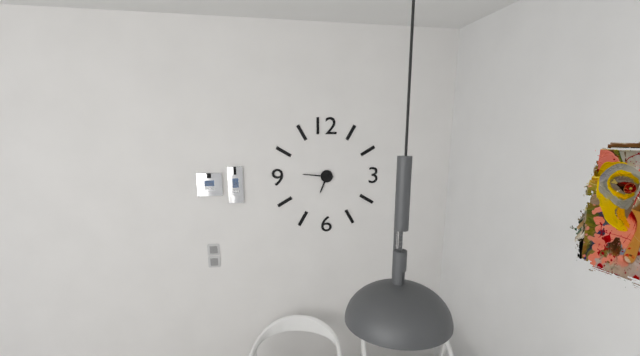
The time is 6:46
